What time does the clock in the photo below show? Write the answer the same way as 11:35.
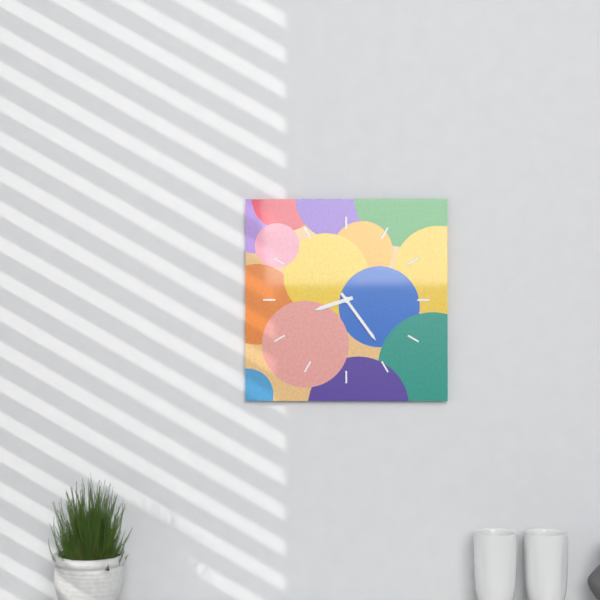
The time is 8:24
